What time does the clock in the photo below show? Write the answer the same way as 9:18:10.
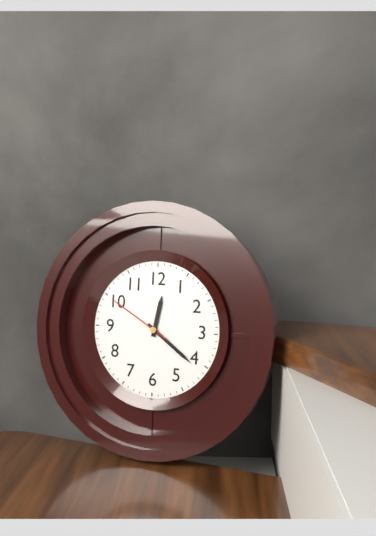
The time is 12:21:50
